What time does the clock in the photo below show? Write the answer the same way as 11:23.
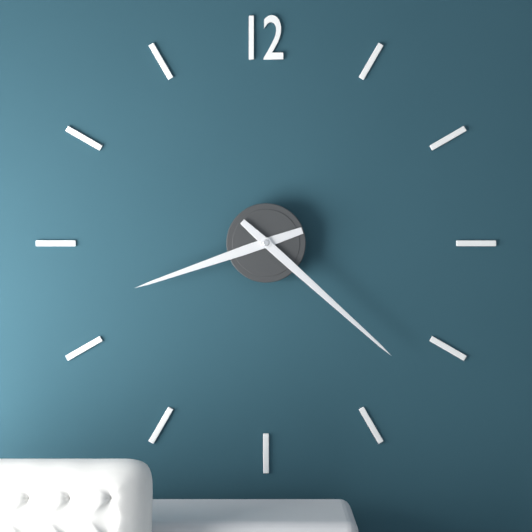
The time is 8:22
